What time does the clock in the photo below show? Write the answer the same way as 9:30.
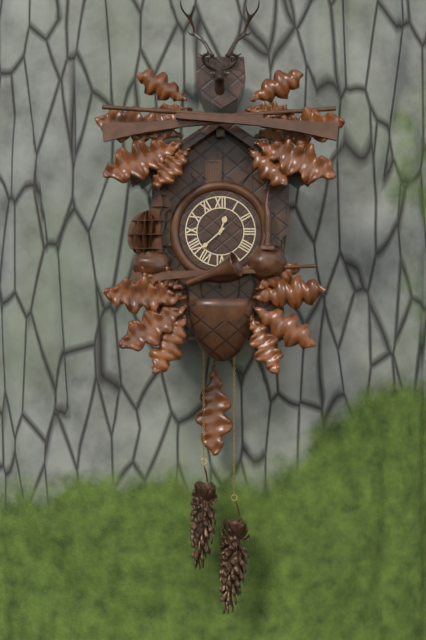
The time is 12:38
